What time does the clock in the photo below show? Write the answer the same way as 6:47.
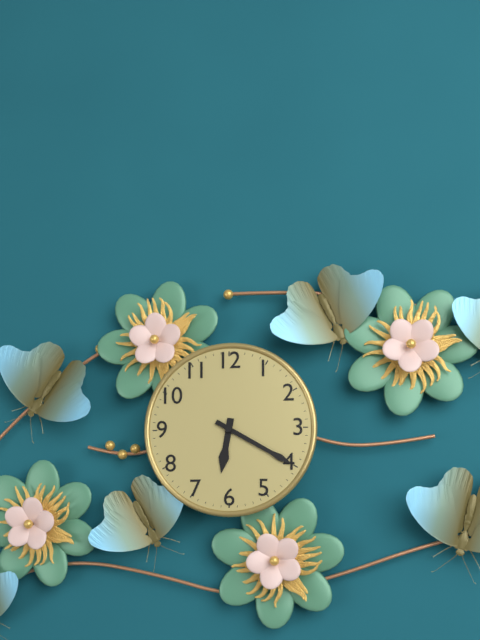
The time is 6:20
